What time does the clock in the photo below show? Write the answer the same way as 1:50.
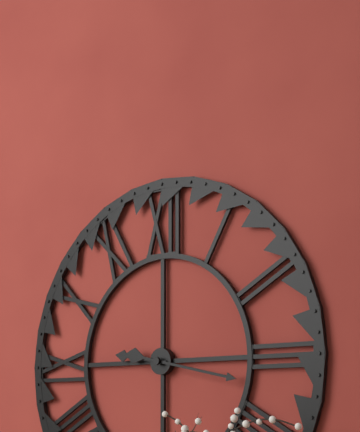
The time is 9:17
